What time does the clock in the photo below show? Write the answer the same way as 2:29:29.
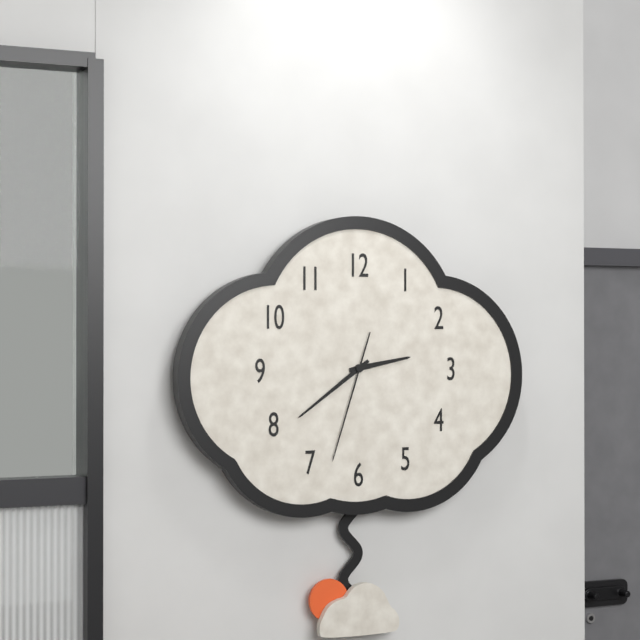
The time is 2:39:33
